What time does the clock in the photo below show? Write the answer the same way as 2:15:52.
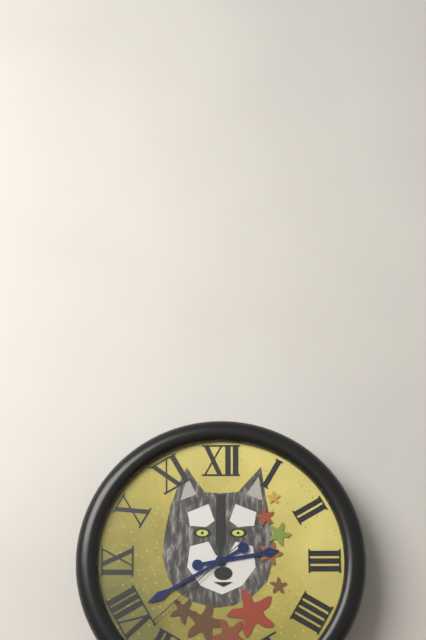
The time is 2:40:38
